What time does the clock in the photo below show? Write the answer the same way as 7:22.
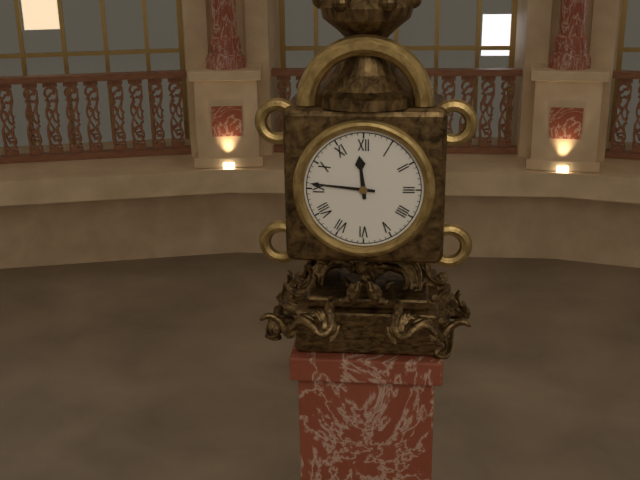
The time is 11:46
